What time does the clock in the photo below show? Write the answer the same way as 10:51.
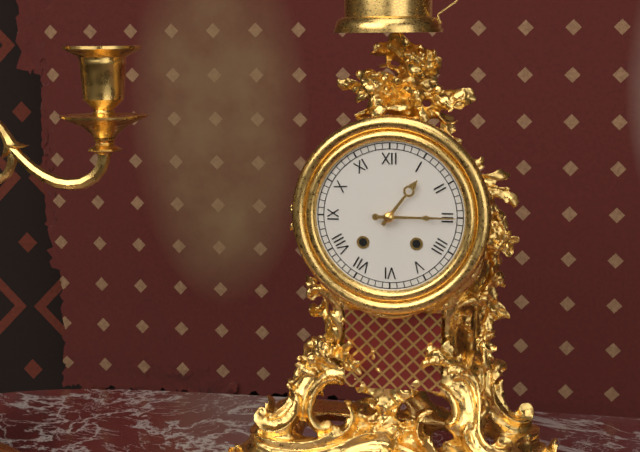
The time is 1:15
